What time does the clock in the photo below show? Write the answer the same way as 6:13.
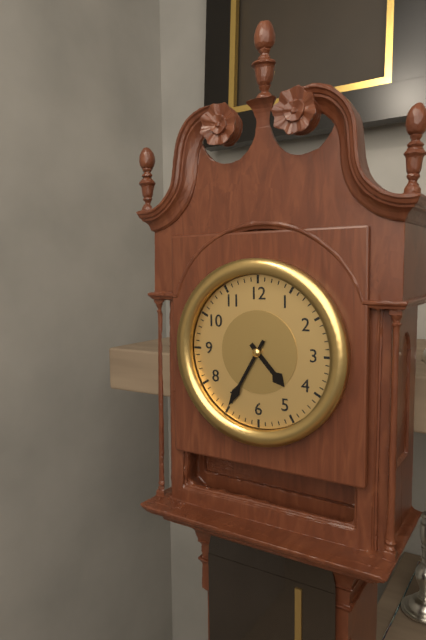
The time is 4:35
